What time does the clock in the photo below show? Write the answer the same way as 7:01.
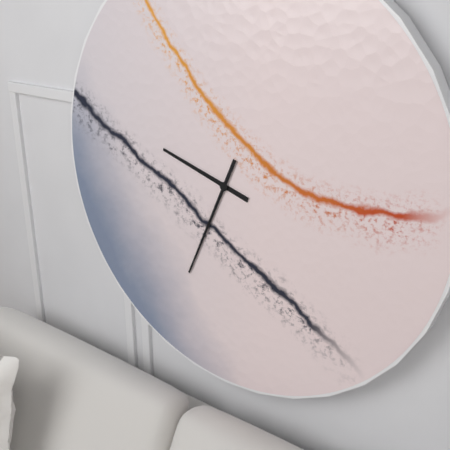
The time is 9:34
